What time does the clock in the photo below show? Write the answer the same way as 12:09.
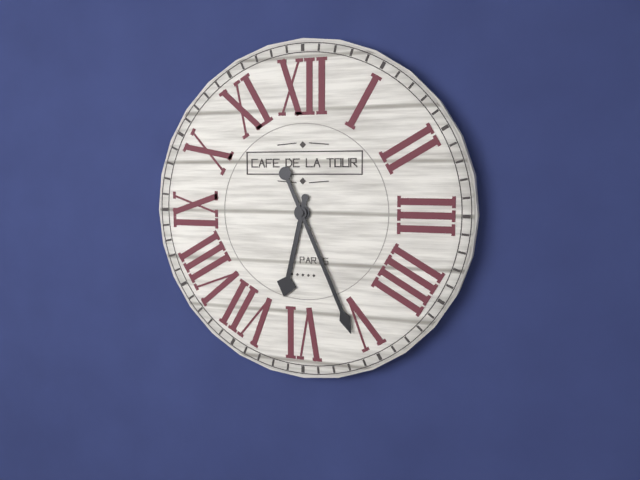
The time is 6:26
